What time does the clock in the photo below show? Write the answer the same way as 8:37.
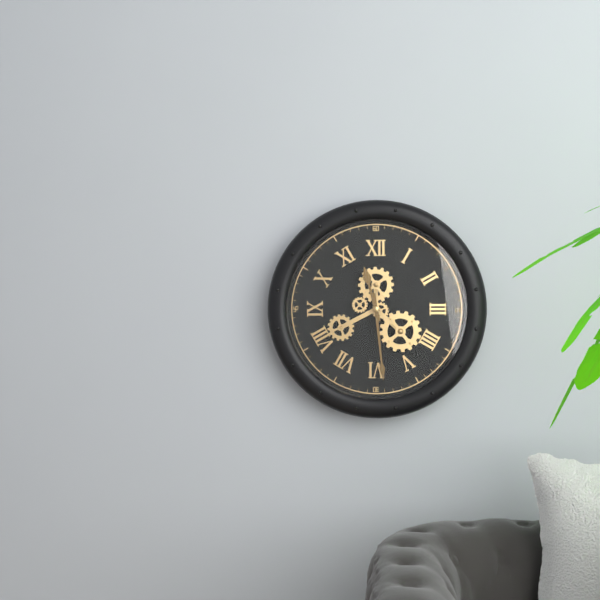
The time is 11:29
